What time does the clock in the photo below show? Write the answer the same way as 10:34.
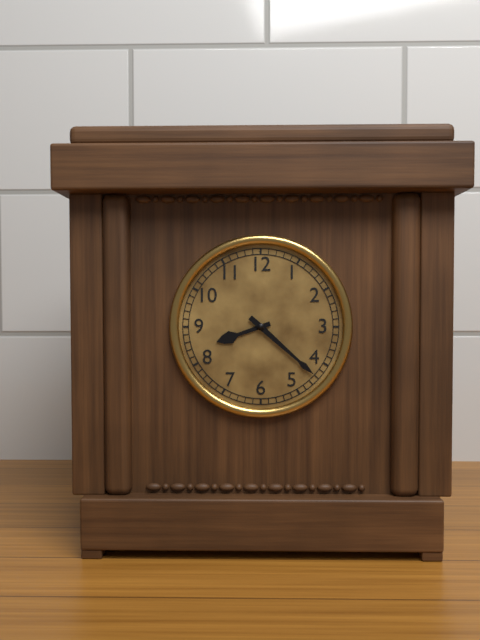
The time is 8:22
